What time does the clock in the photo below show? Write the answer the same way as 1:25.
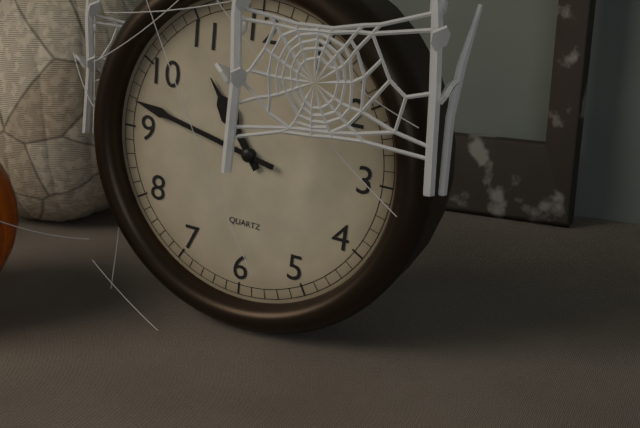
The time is 10:47
